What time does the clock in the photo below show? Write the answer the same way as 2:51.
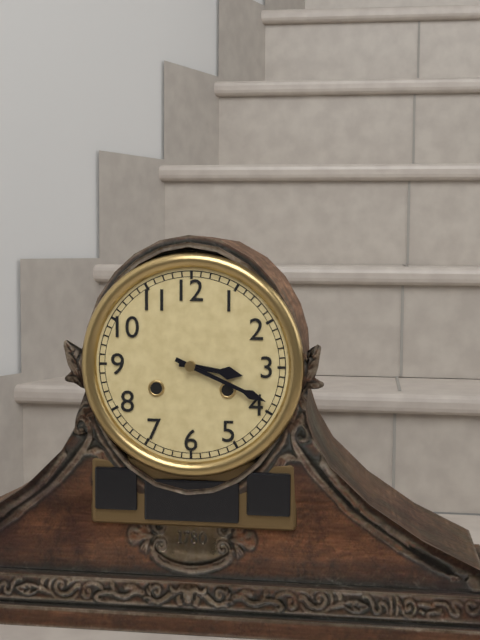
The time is 3:19
